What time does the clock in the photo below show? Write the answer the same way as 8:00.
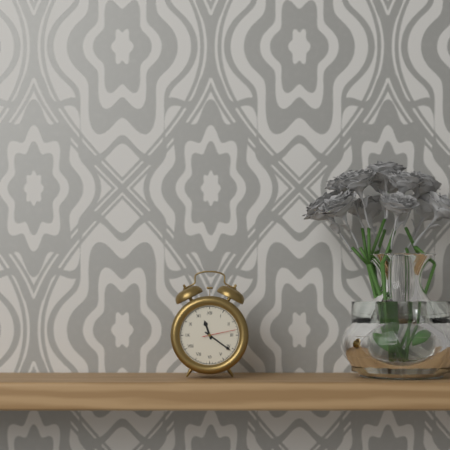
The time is 11:21
